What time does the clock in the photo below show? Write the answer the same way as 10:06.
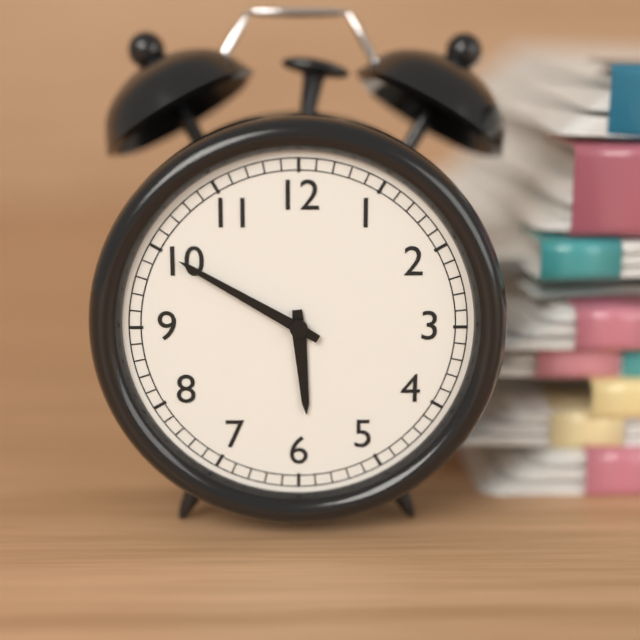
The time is 5:50
